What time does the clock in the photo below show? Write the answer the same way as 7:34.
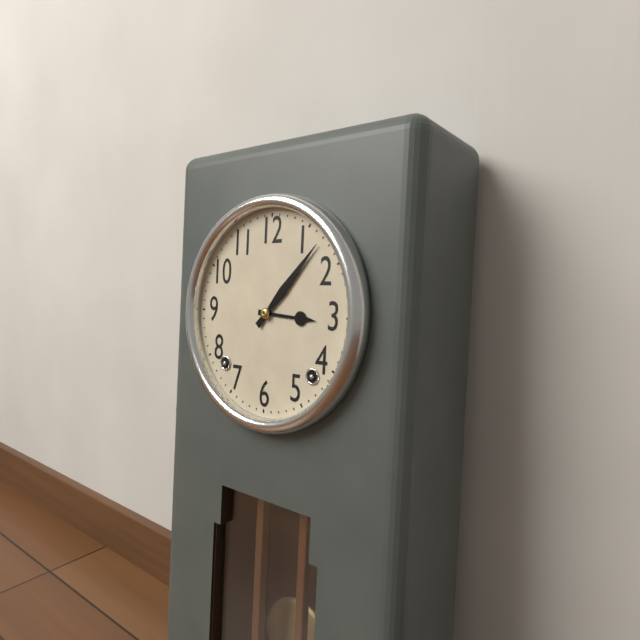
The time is 3:07
